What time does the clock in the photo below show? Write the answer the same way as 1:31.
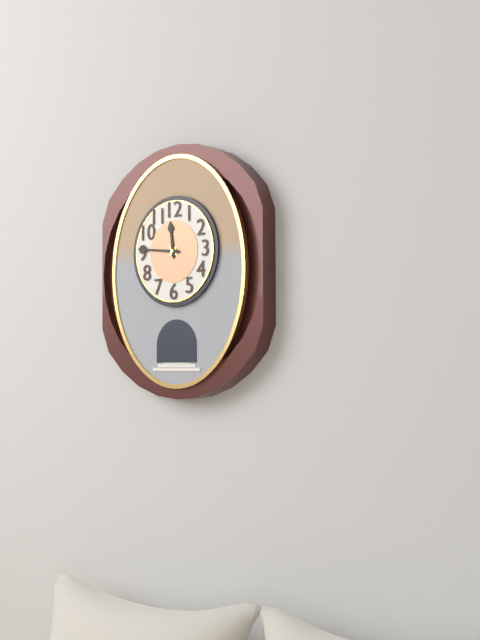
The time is 11:46
